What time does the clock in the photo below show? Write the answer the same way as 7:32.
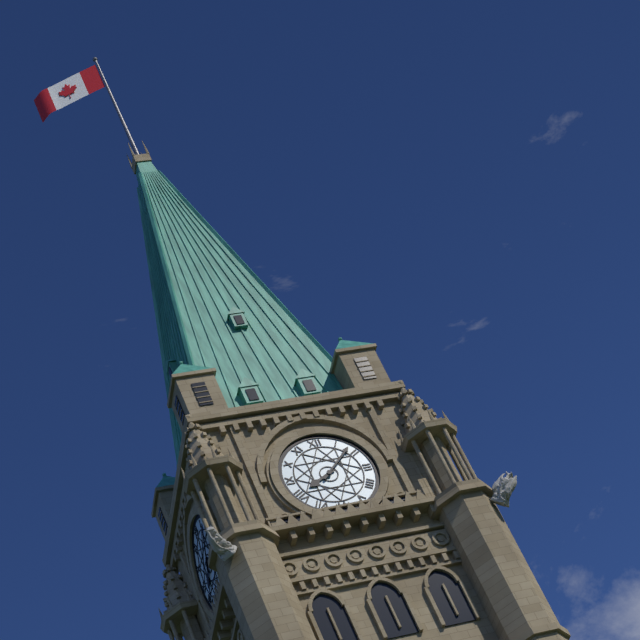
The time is 8:08
